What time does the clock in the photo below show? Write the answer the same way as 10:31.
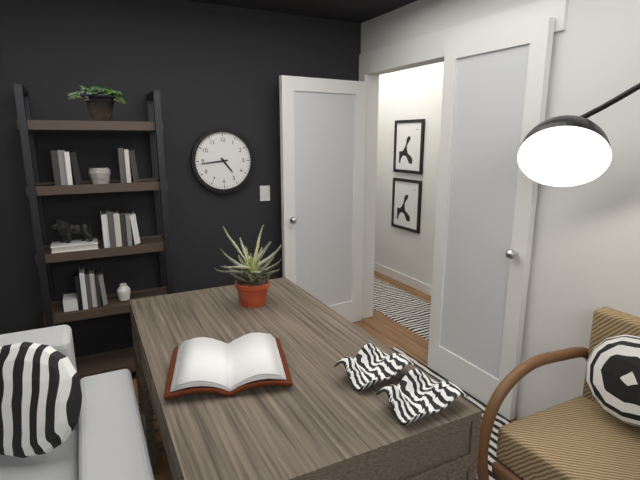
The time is 4:44
